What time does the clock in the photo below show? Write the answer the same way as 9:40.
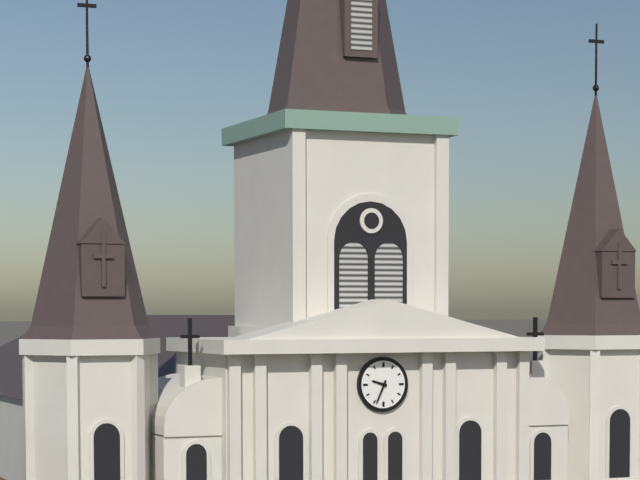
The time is 9:34
